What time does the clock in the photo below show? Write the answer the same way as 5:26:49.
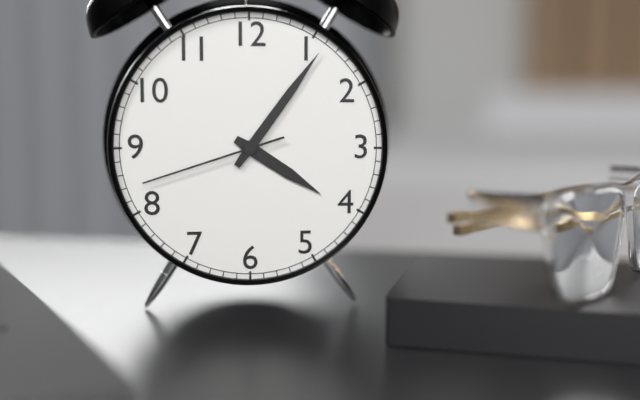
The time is 4:06:42
